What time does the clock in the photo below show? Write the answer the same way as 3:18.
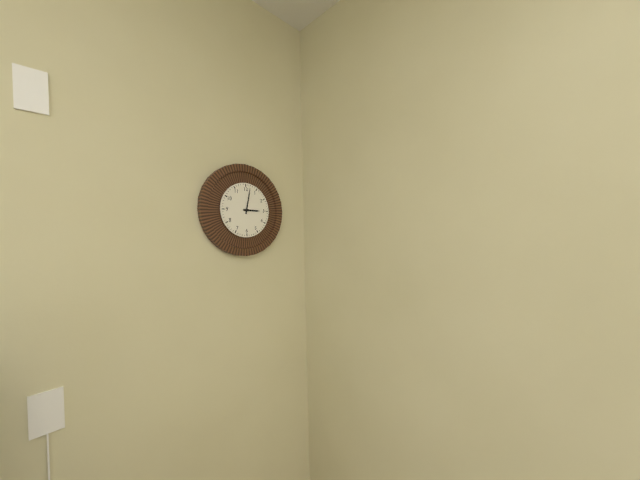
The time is 3:02
